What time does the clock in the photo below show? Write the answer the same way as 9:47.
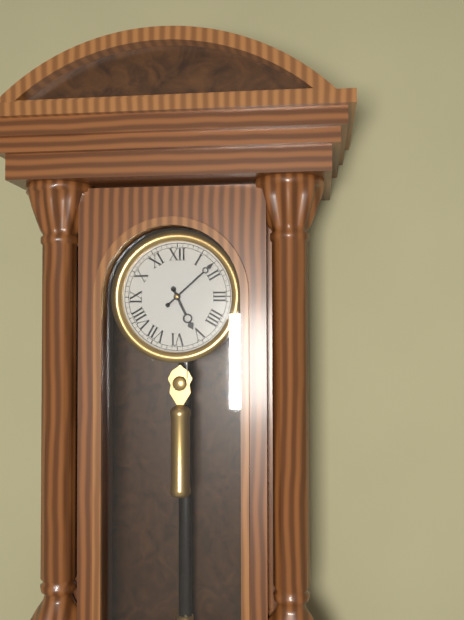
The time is 5:08
